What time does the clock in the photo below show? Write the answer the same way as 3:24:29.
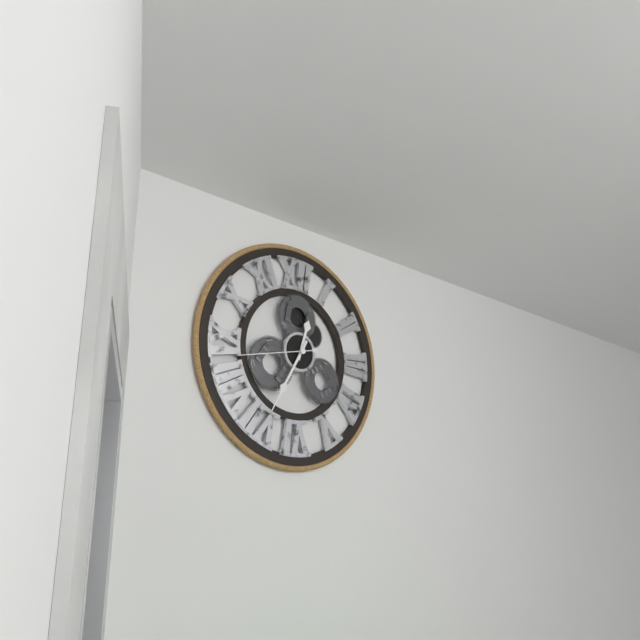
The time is 12:35:43
